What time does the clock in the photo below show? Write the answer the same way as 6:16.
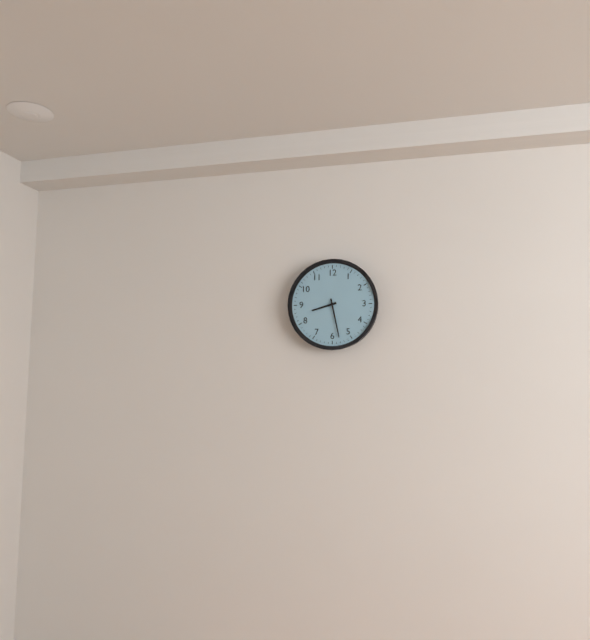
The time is 8:28
